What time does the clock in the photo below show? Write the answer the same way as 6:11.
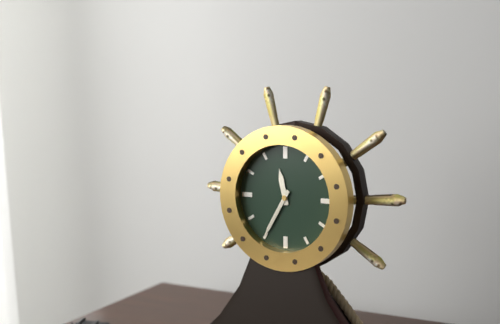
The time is 11:35
